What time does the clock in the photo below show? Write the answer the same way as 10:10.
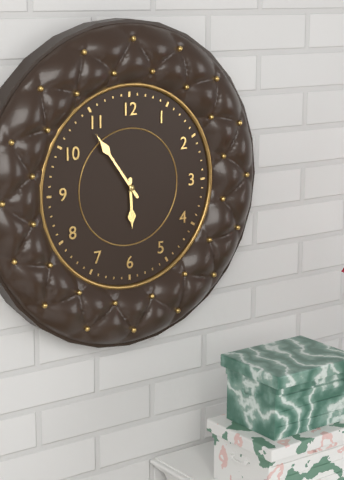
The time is 5:54
